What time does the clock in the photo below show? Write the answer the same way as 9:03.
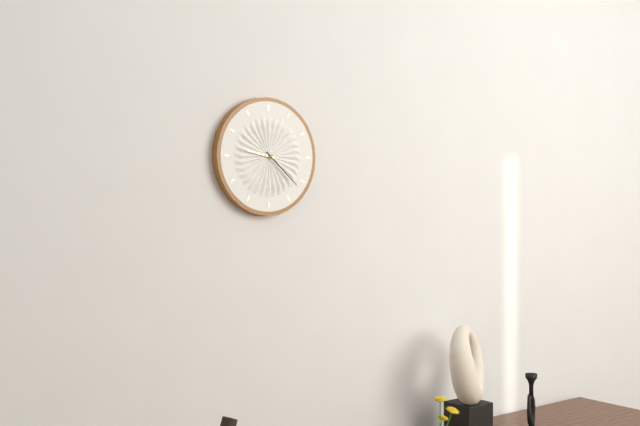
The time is 9:22
